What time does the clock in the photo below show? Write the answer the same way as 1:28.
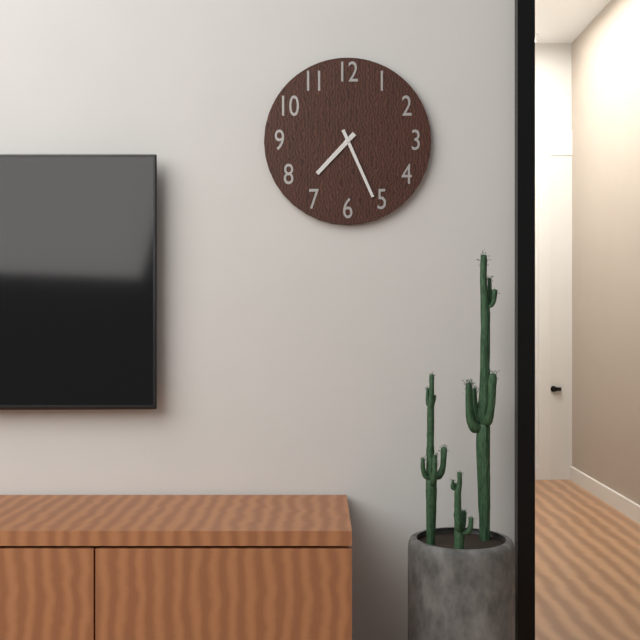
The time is 7:26
